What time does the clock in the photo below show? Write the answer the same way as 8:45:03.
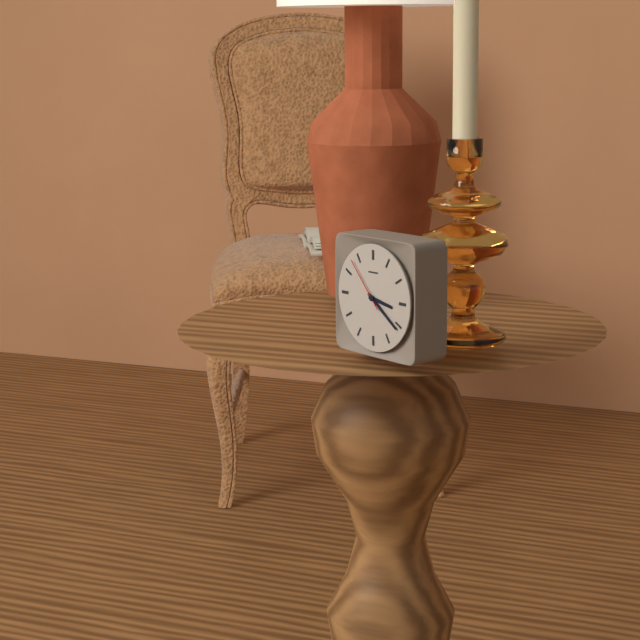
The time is 3:21:53
